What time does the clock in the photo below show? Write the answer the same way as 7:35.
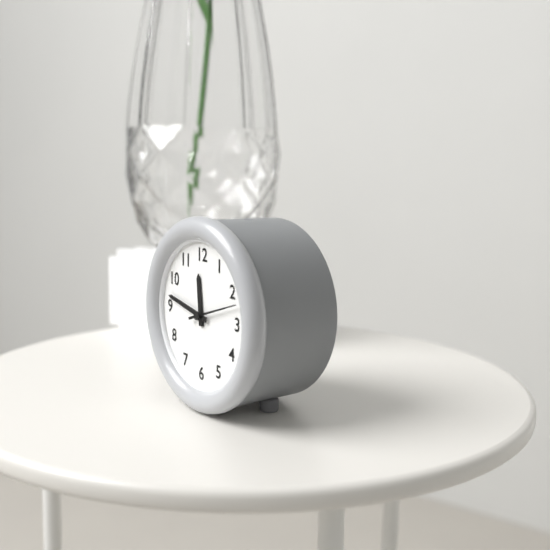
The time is 11:47
